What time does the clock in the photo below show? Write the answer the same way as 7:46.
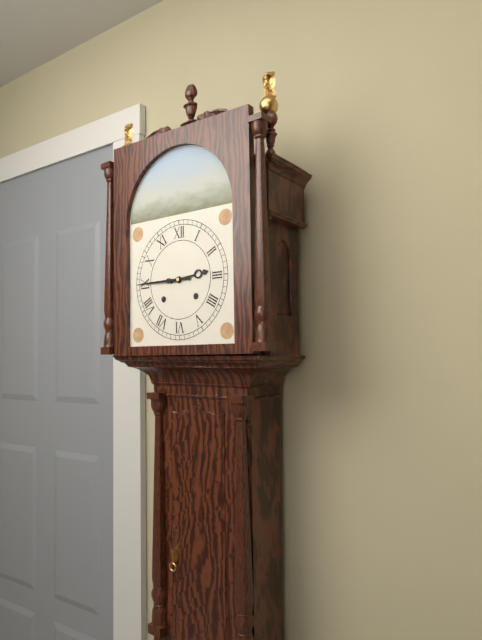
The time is 2:45
